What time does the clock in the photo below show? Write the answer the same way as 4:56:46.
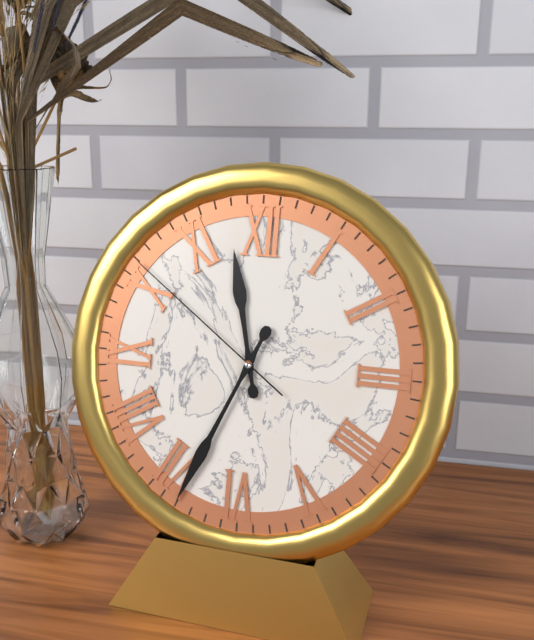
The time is 11:34:51
